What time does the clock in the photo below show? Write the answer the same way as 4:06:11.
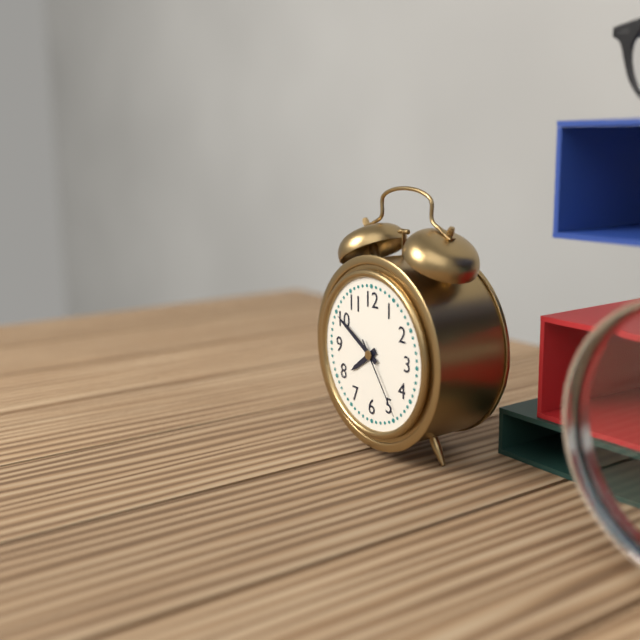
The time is 7:50:24
